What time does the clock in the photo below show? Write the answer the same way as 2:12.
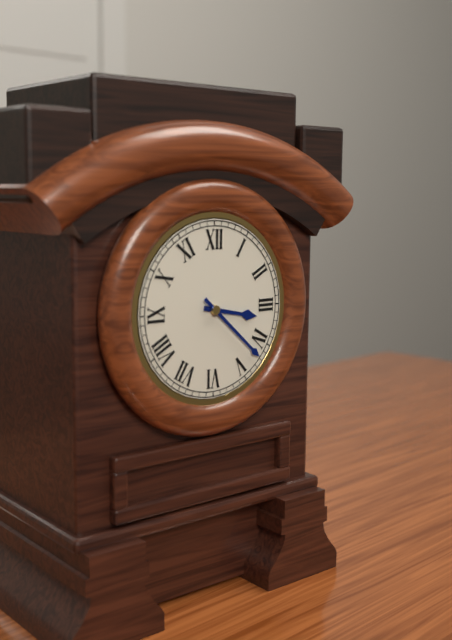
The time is 3:22
